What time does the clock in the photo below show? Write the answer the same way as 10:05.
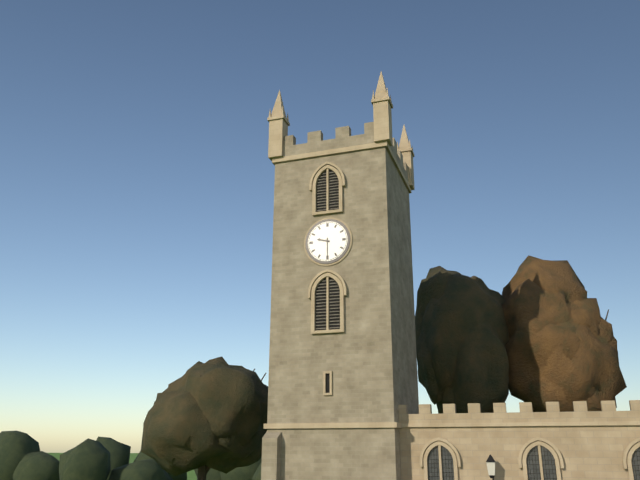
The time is 9:30
